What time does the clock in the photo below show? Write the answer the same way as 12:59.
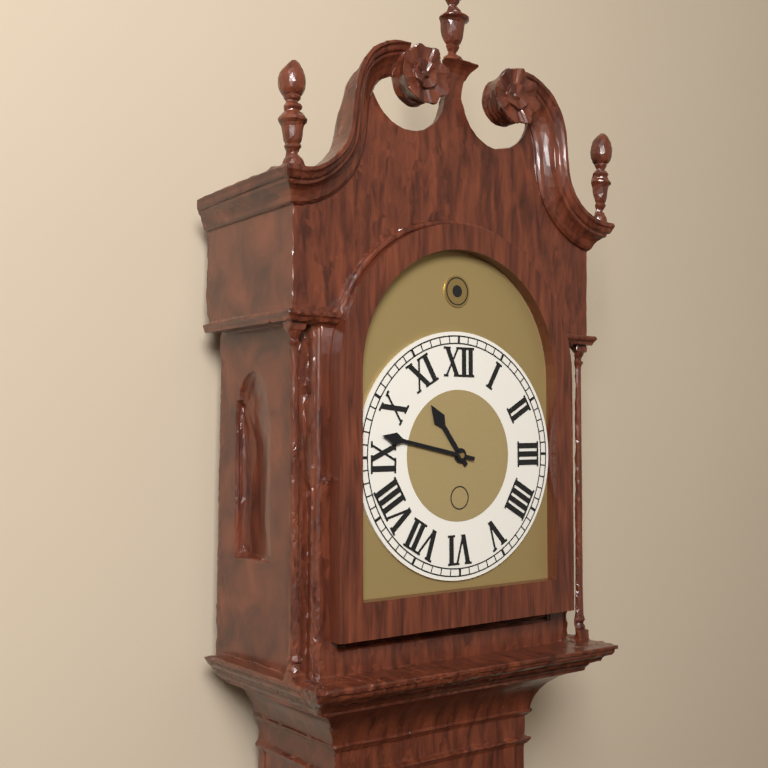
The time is 10:47
